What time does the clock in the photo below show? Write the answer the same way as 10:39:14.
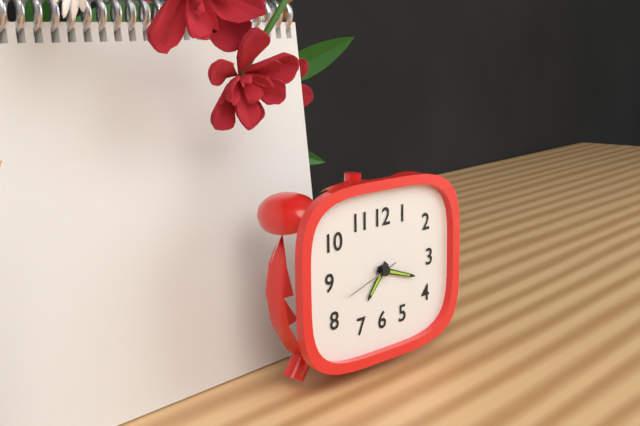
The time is 7:18:42
